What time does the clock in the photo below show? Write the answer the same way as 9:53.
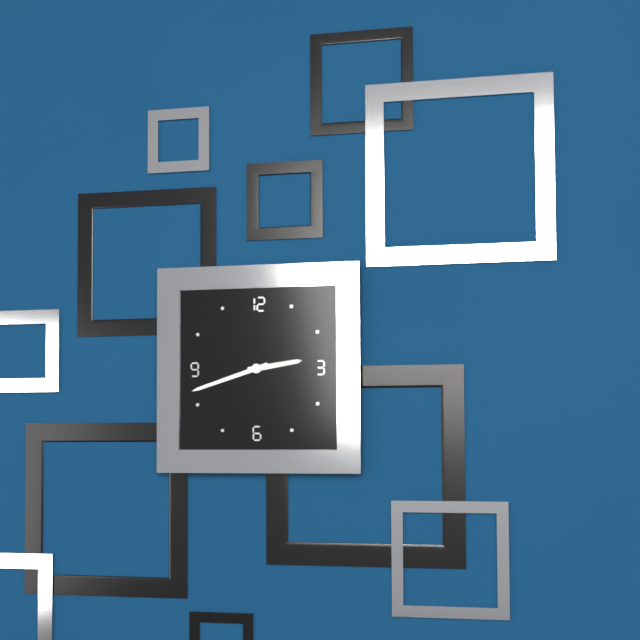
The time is 2:42
